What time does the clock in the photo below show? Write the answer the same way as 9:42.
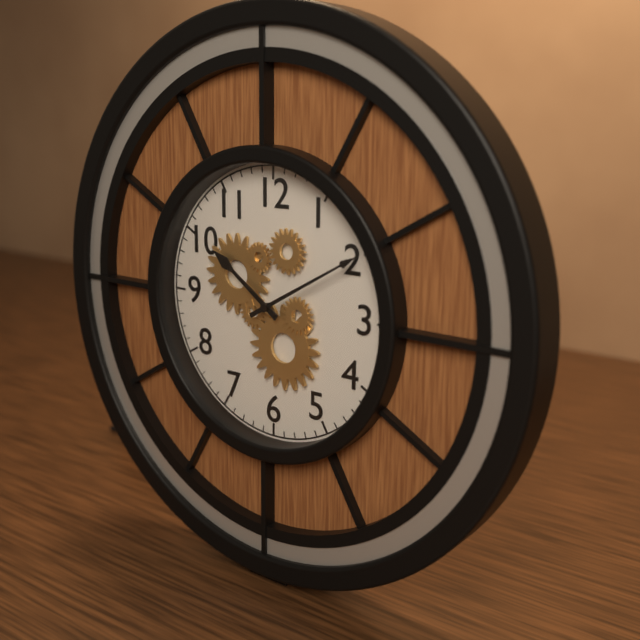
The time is 10:10
